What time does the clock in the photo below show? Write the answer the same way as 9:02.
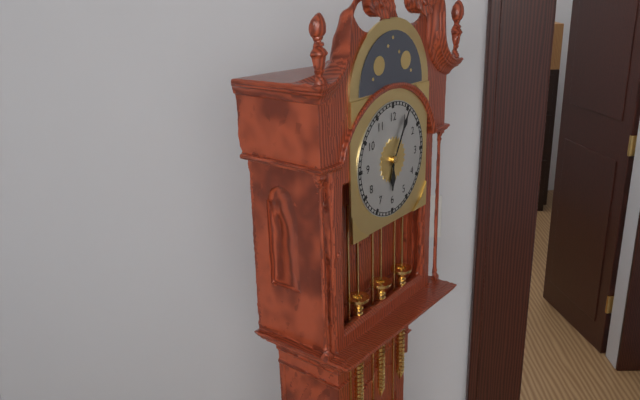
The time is 6:05
